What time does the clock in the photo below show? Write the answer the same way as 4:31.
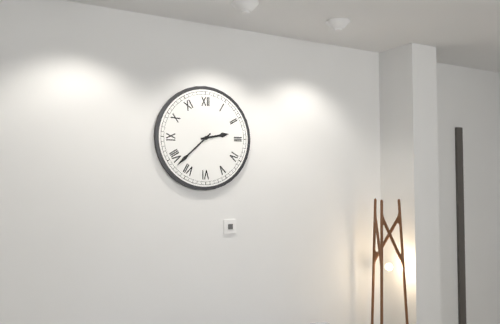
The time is 2:38
